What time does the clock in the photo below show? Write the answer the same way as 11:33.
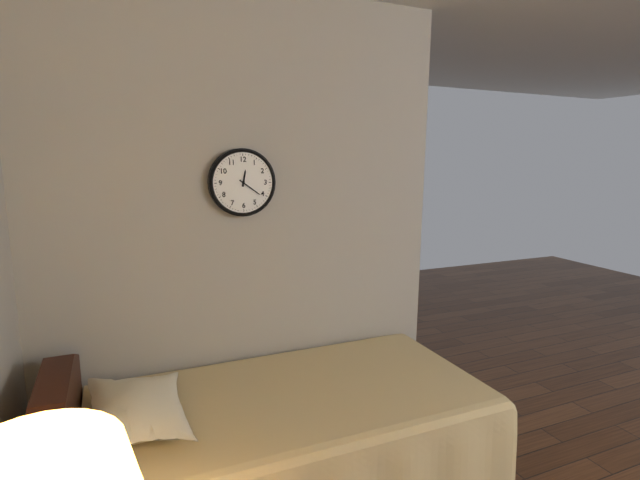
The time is 12:21
